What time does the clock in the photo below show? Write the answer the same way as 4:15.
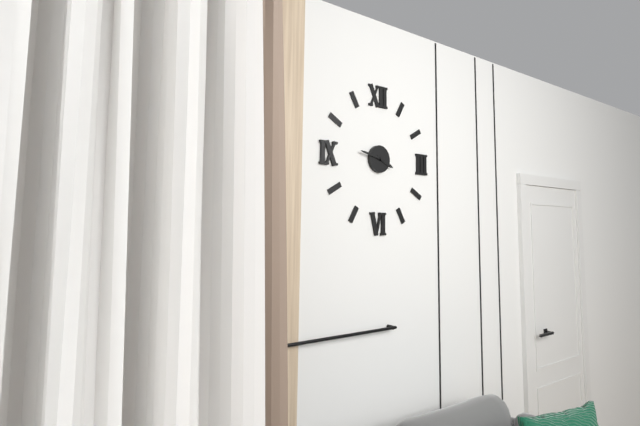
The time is 3:47
